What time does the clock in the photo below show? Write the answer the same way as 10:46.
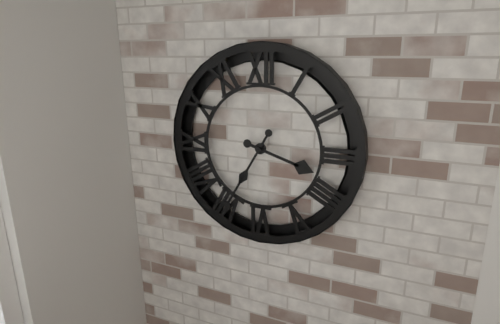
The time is 3:35
